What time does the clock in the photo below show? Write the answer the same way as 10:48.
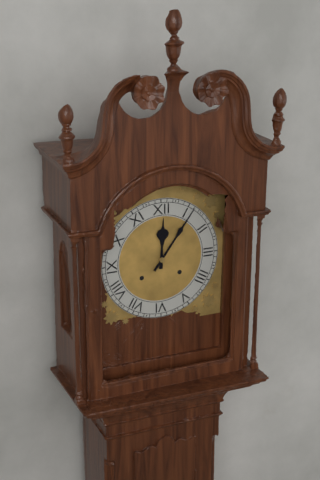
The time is 12:06
